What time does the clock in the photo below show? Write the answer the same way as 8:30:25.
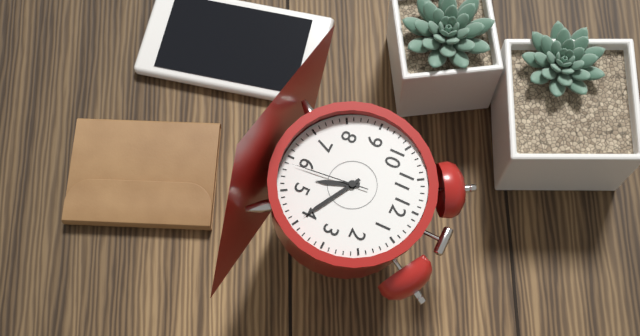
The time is 5:20:29
